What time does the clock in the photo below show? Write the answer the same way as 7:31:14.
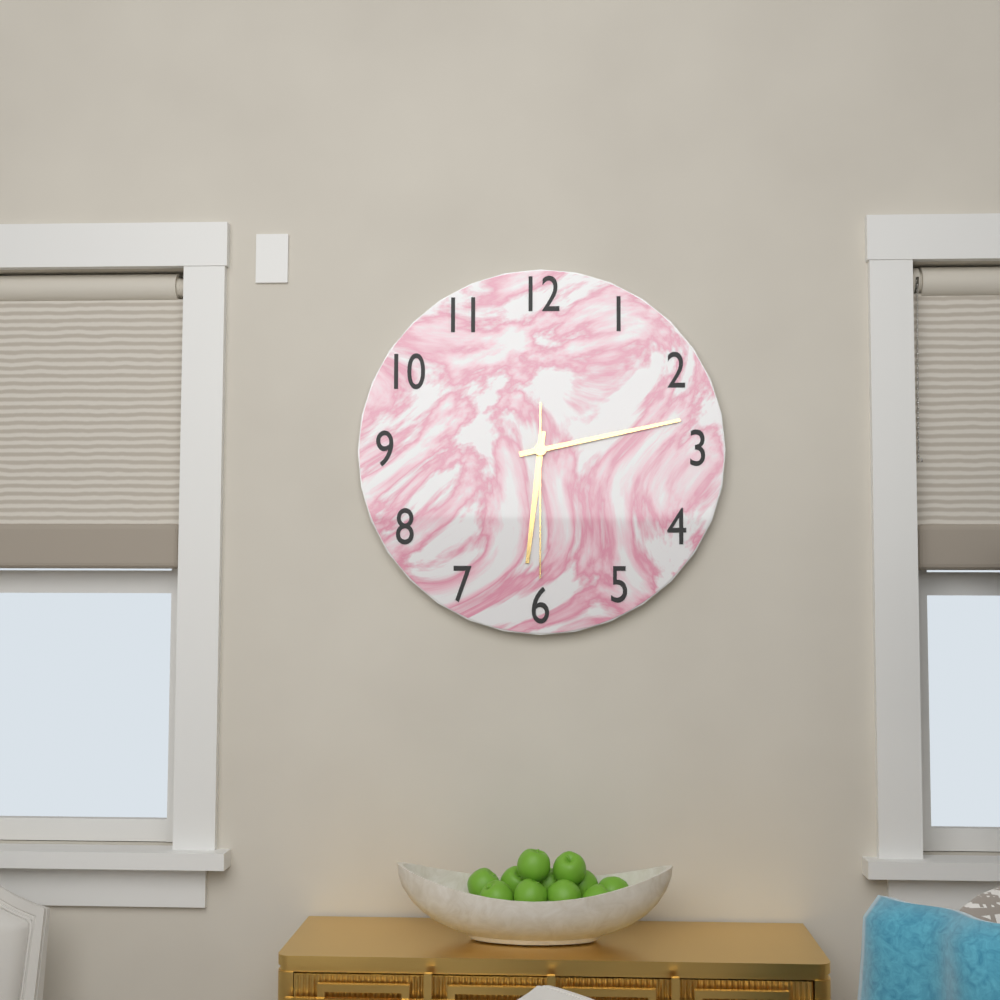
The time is 6:13:30
